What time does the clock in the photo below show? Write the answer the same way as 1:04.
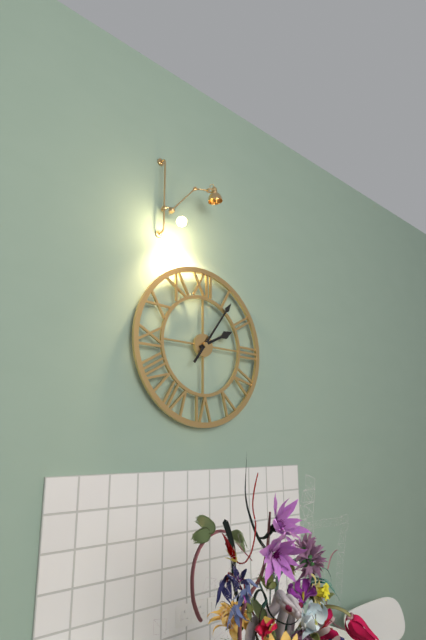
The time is 2:06
